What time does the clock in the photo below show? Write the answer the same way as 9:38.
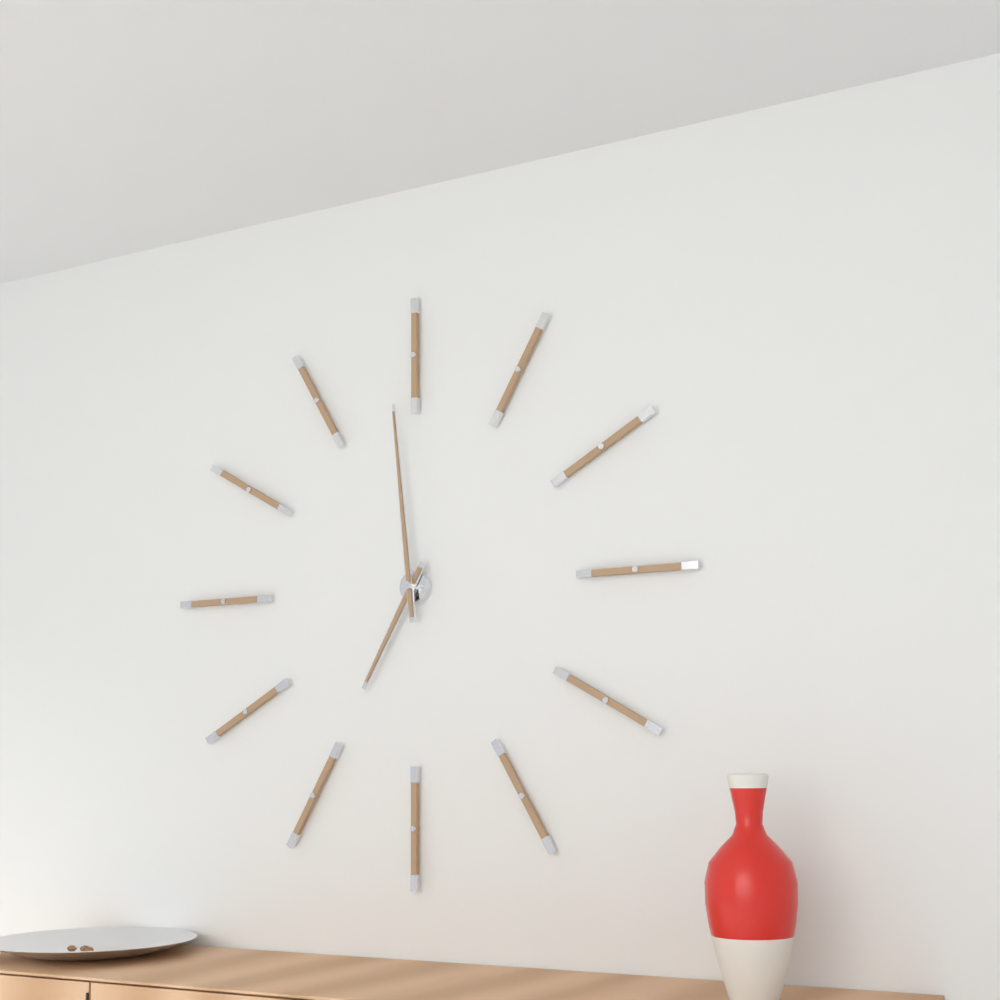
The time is 6:59
